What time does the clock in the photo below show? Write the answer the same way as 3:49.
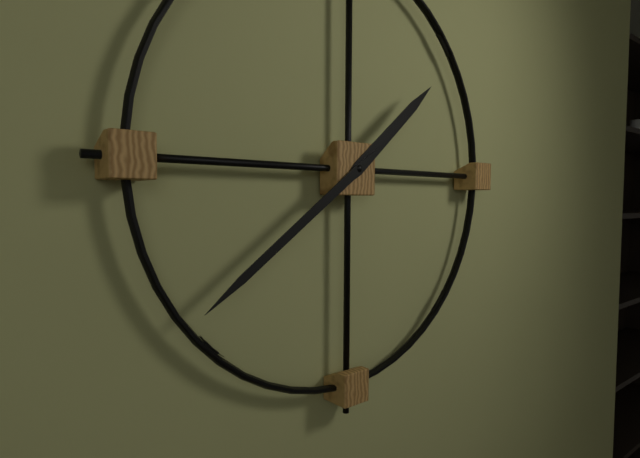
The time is 1:39
